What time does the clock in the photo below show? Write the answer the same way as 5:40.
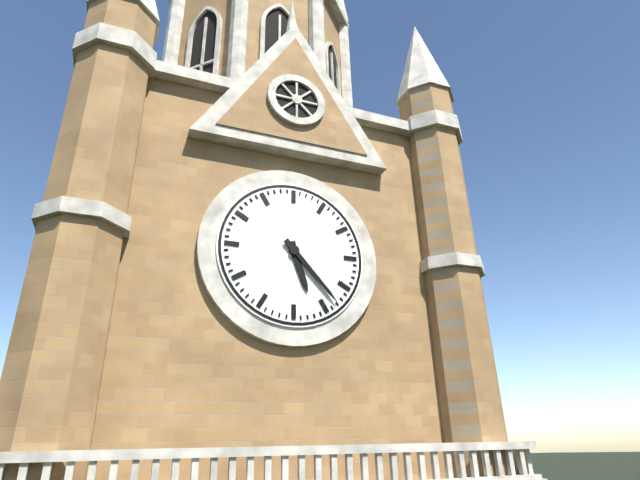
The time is 5:23
